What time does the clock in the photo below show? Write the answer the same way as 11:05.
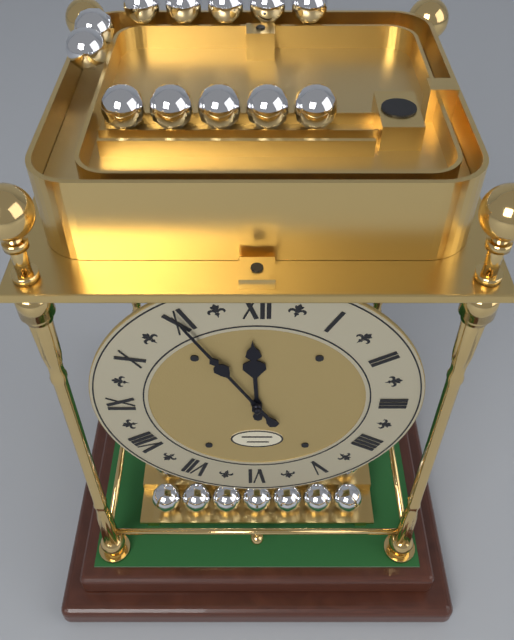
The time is 11:55
